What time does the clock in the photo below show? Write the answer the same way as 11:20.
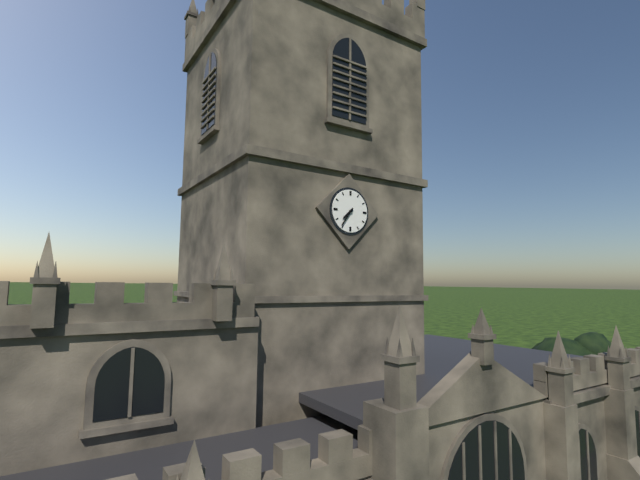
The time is 7:36
